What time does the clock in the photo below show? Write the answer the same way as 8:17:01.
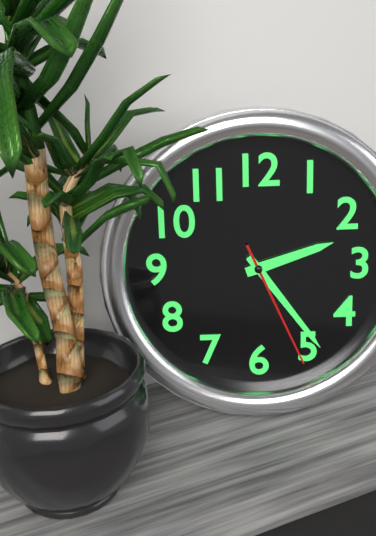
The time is 2:24:26
